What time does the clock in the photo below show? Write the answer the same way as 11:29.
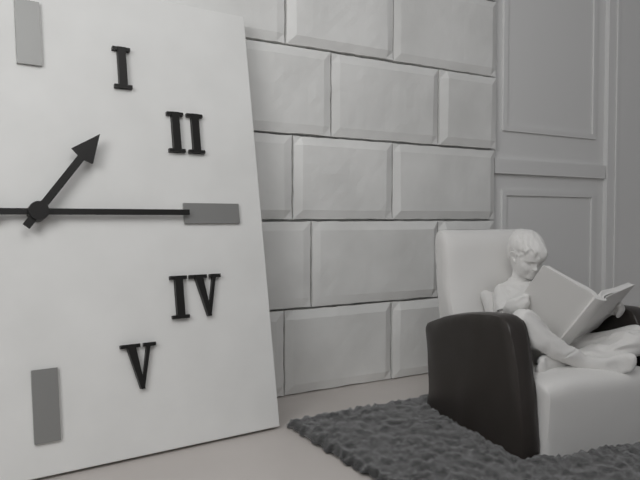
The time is 1:15
